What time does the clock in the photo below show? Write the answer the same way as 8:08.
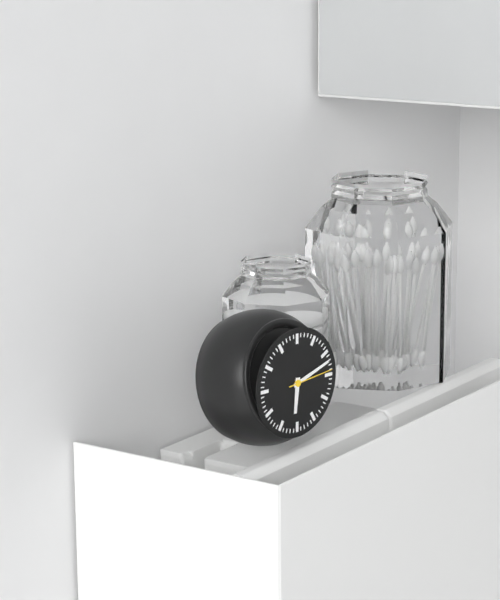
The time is 6:12
